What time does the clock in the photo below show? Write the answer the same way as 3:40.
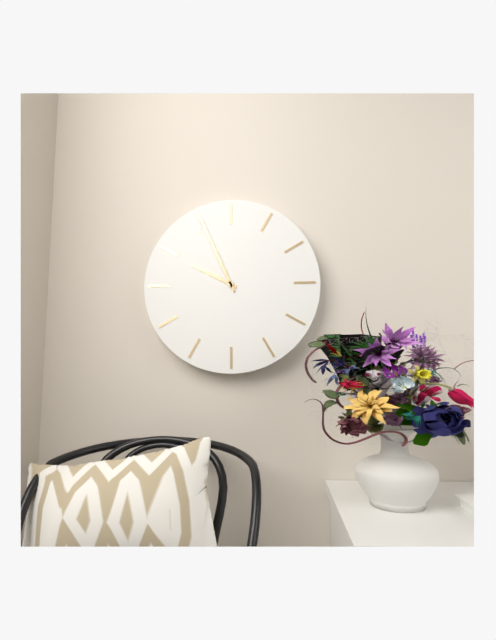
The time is 9:56
